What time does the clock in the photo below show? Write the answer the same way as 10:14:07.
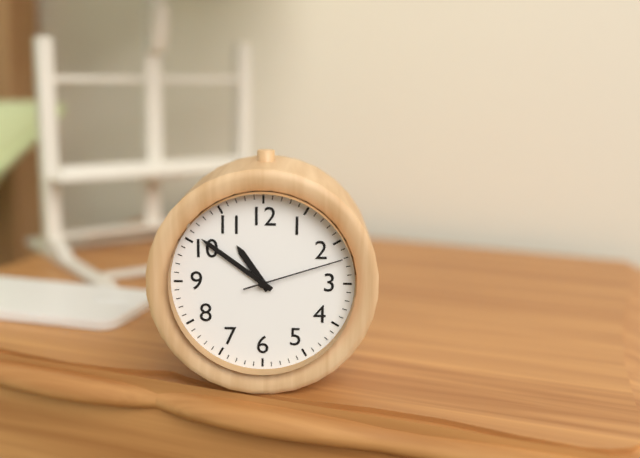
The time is 10:51:12
